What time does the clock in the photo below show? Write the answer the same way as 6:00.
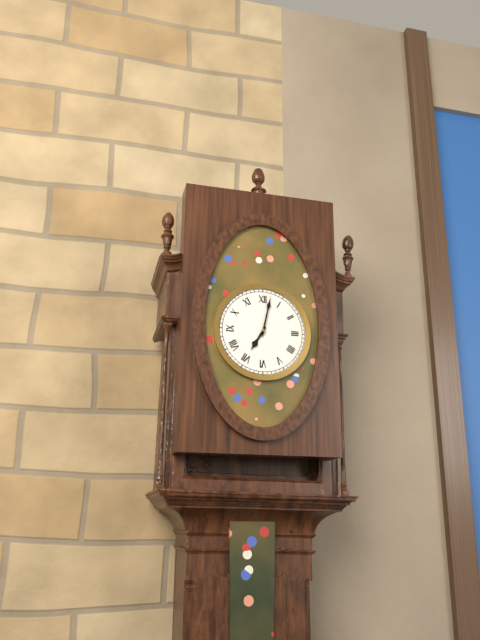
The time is 7:02
